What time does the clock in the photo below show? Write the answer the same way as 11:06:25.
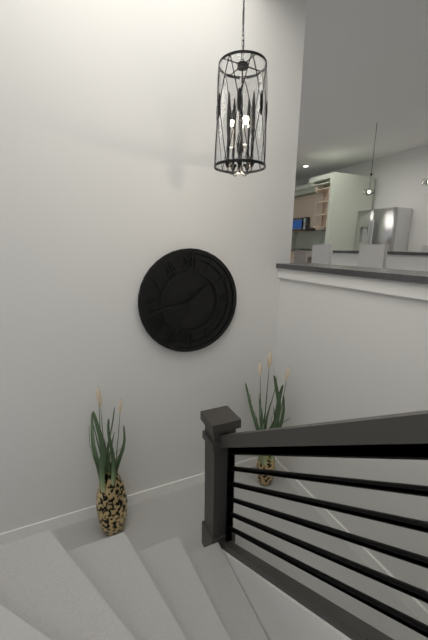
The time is 1:43:35
